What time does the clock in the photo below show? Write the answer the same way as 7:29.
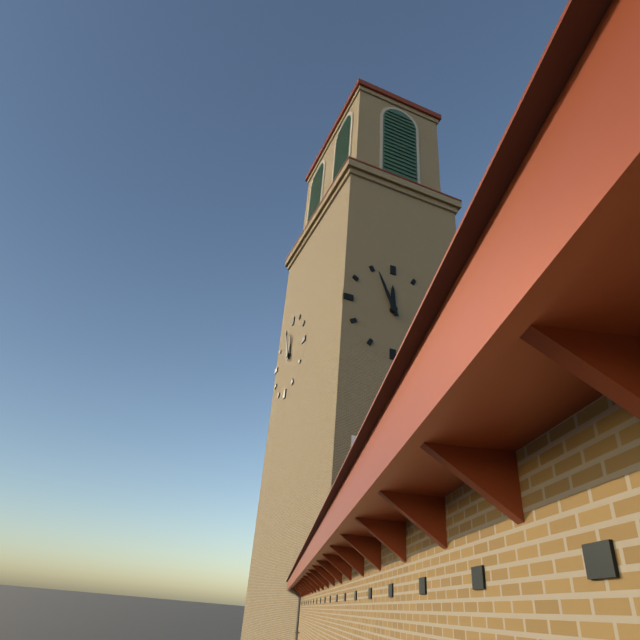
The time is 11:56
